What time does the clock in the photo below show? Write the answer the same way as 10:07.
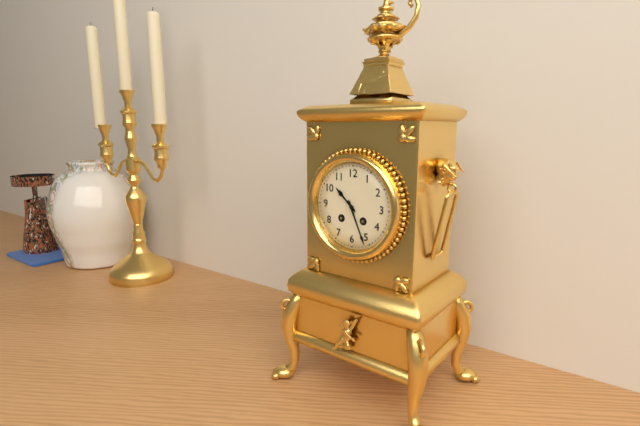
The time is 10:26
